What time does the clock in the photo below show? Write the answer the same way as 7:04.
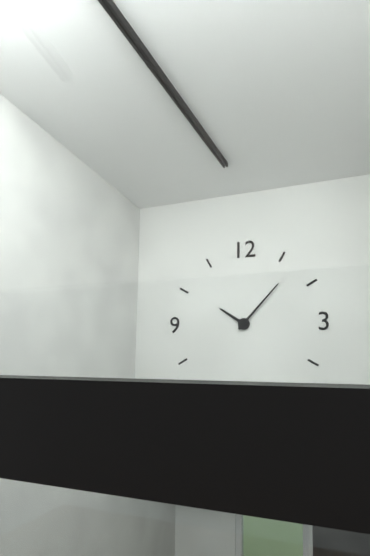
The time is 10:07
